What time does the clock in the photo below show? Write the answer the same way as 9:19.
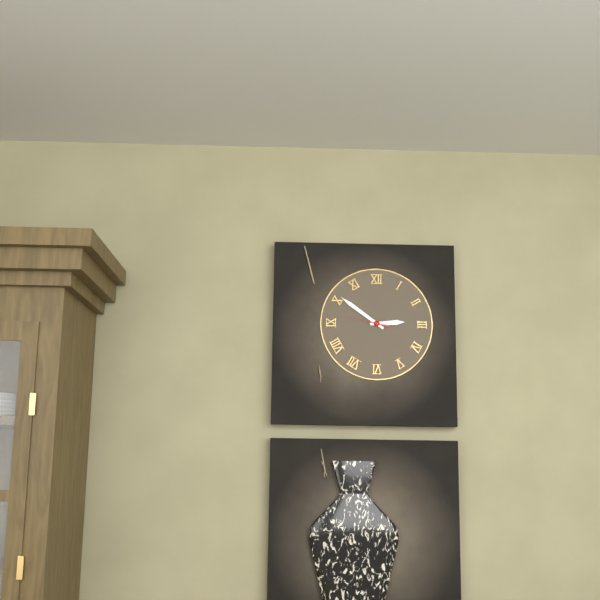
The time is 2:51
